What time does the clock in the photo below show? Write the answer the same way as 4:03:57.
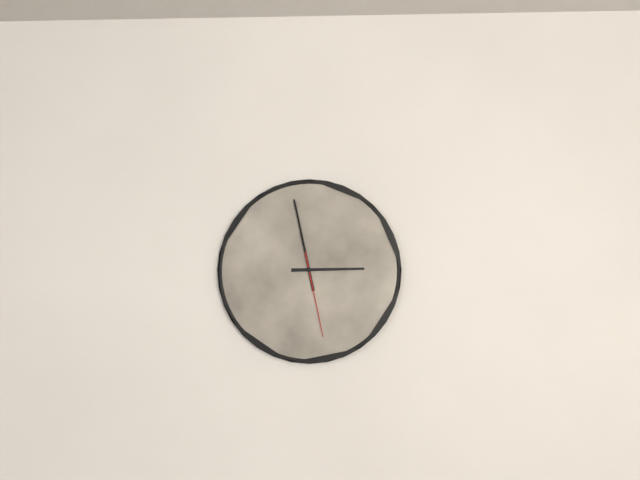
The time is 2:58:28
